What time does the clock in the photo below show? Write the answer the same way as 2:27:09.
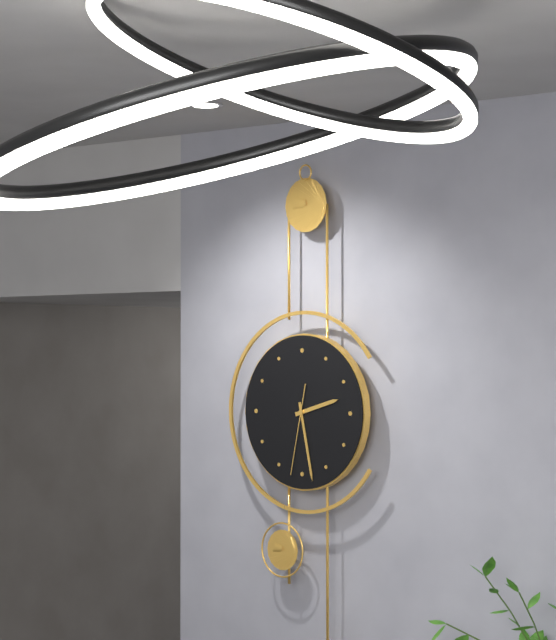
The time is 2:28:32
